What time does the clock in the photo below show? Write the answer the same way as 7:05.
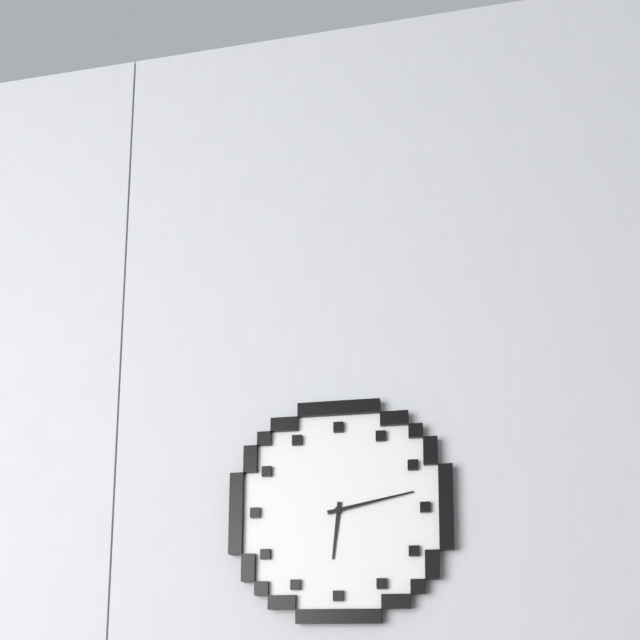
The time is 6:13
